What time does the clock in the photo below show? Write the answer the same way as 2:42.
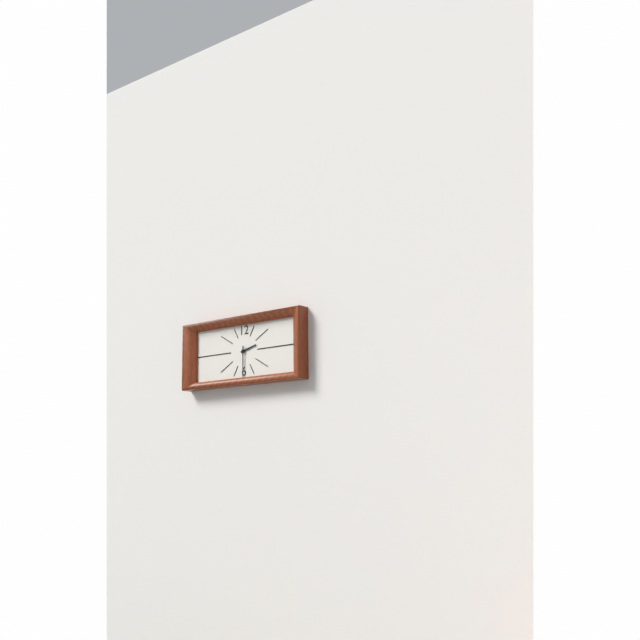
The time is 2:30
